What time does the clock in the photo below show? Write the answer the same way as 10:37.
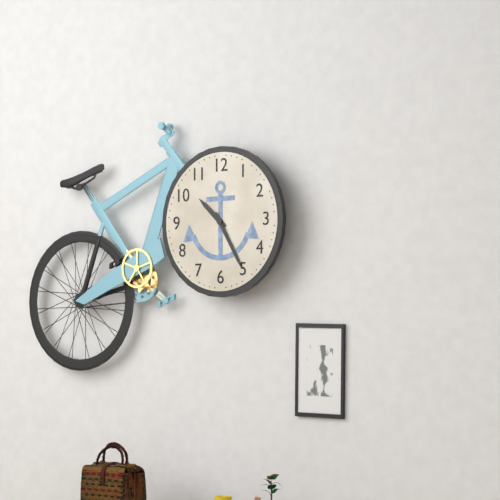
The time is 10:25
